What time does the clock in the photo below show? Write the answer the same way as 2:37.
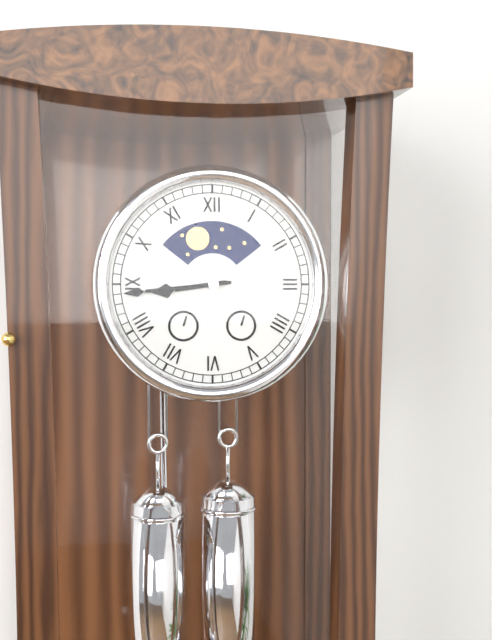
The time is 8:44
